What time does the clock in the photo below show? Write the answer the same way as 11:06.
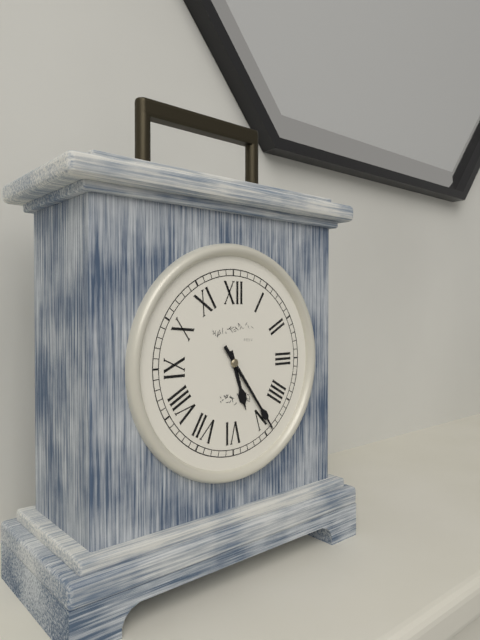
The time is 5:24
